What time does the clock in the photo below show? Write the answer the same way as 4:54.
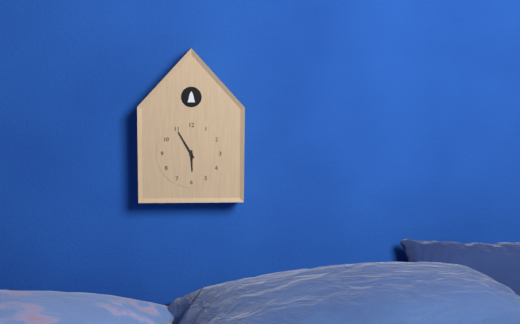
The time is 5:55
